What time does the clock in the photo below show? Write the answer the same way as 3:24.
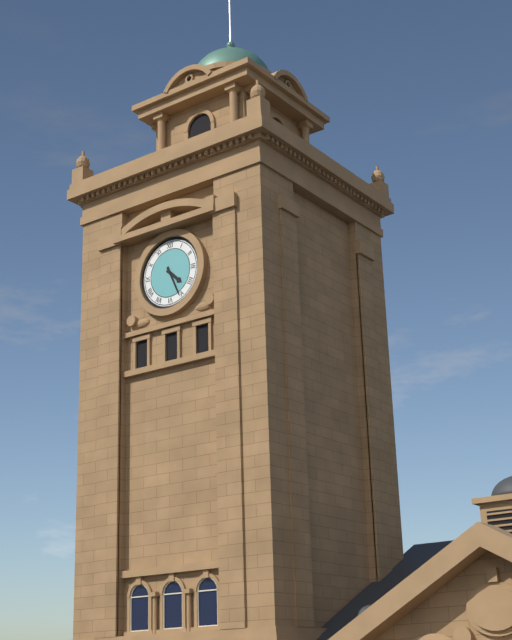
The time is 4:26
